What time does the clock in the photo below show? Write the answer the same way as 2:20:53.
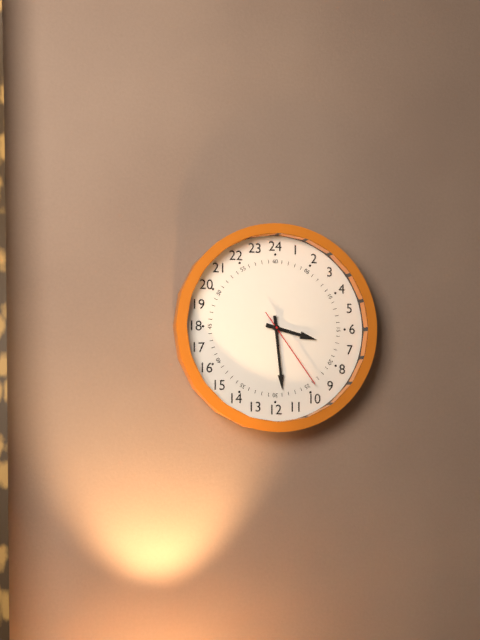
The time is 3:29:24
